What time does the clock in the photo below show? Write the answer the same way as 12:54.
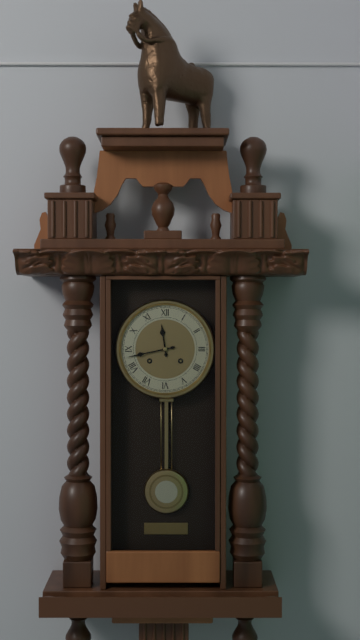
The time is 11:43
